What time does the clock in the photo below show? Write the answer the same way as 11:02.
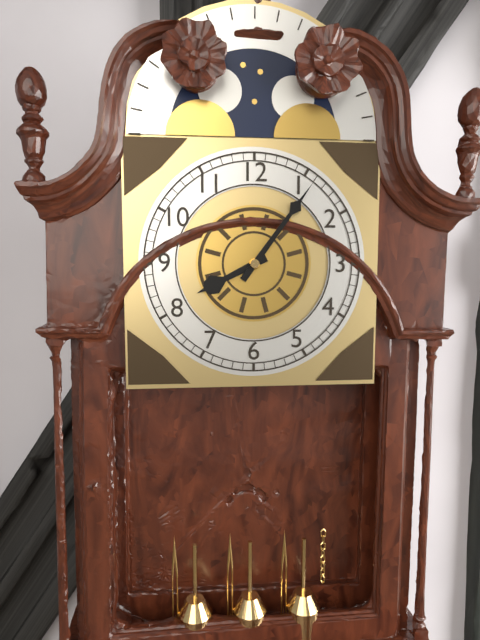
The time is 8:06
